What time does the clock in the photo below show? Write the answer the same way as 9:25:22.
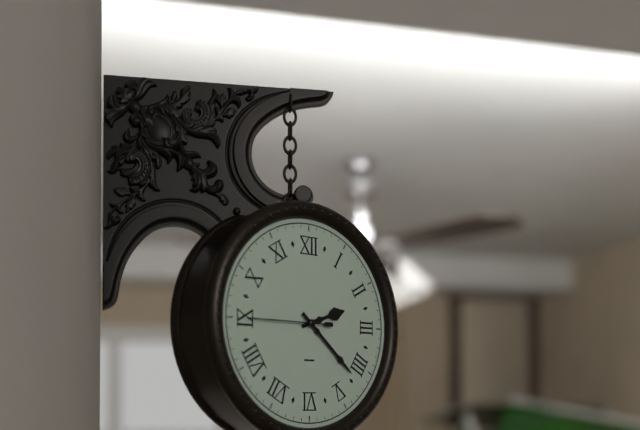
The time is 2:22:45
